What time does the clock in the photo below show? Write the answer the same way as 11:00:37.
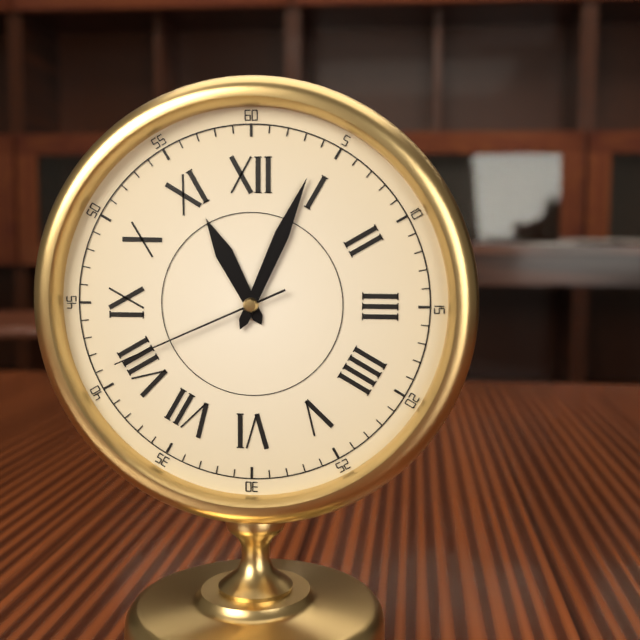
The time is 11:04:41
